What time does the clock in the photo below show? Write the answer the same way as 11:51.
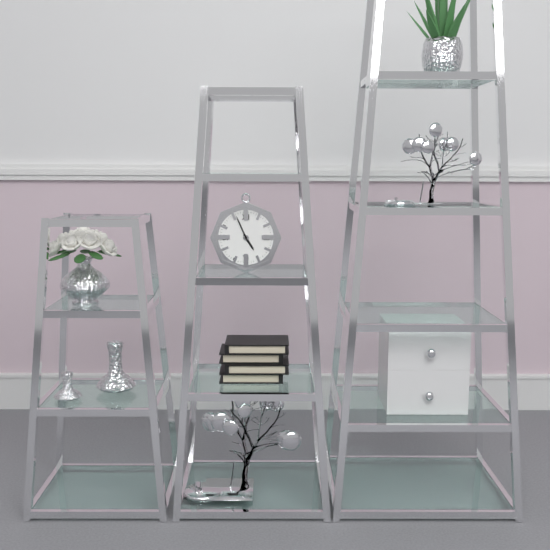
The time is 4:56
